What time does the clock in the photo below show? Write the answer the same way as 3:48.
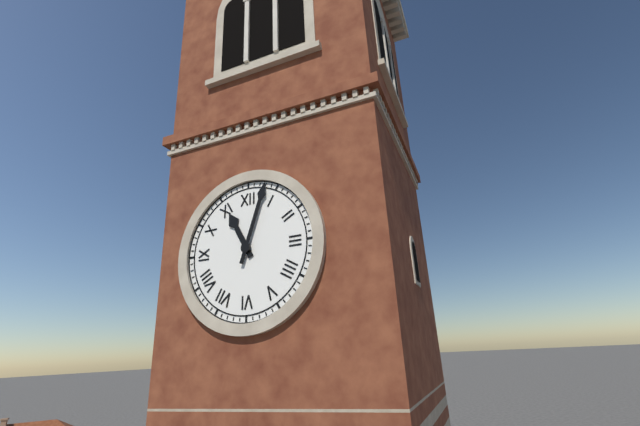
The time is 11:03
